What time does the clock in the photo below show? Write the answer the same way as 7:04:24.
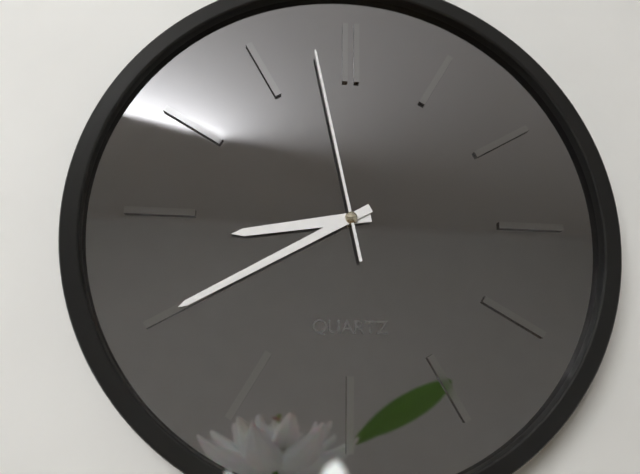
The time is 8:40:58
